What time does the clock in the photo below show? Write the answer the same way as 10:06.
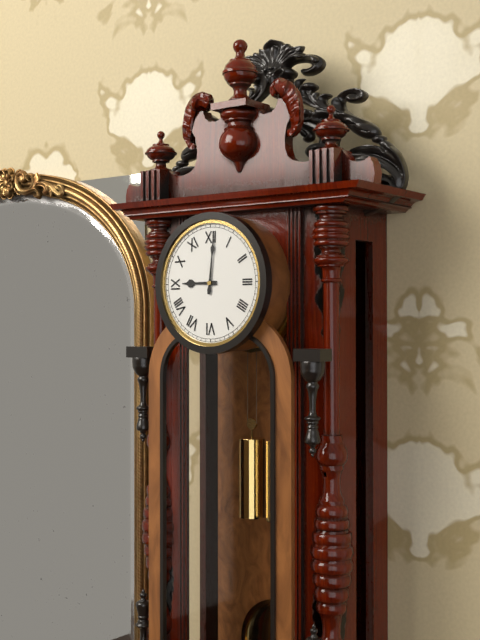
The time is 9:01
